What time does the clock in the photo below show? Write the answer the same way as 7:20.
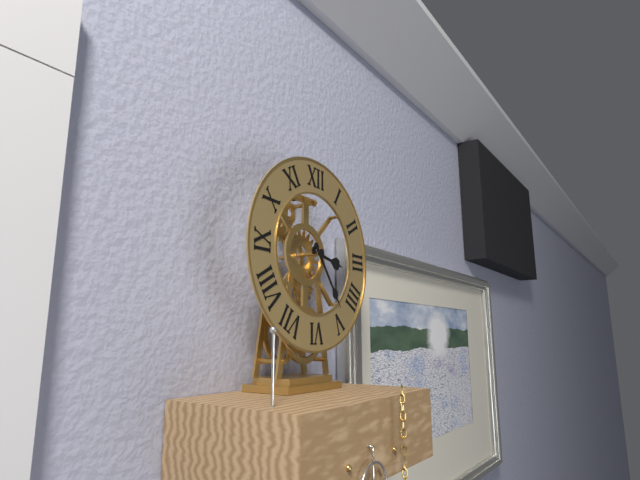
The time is 3:24
